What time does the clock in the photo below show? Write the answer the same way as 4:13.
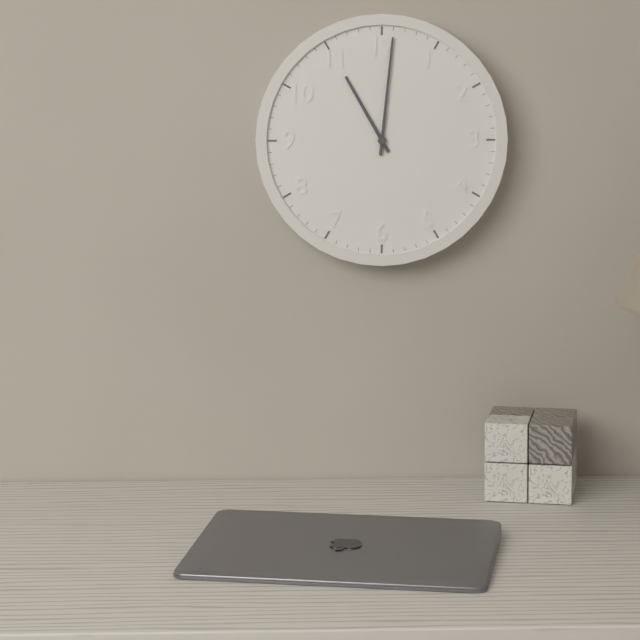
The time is 11:01
